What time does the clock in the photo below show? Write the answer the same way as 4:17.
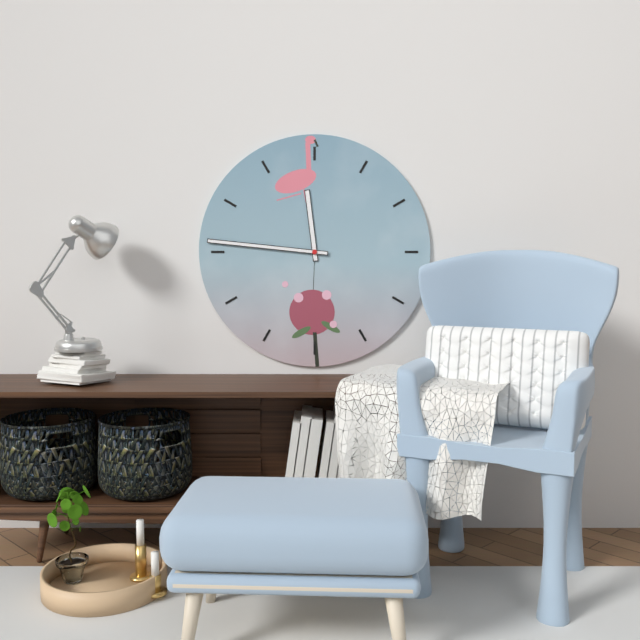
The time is 11:46
